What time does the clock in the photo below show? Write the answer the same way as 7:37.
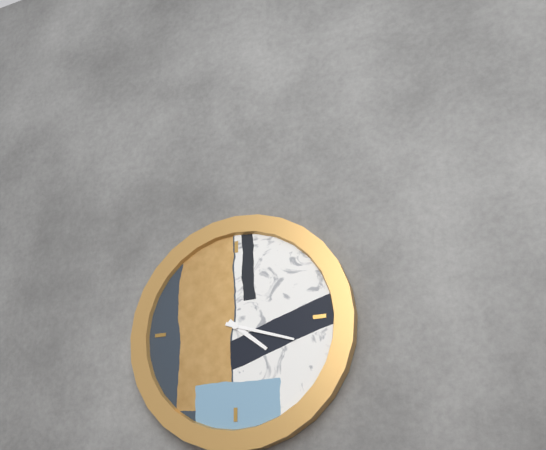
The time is 4:18
